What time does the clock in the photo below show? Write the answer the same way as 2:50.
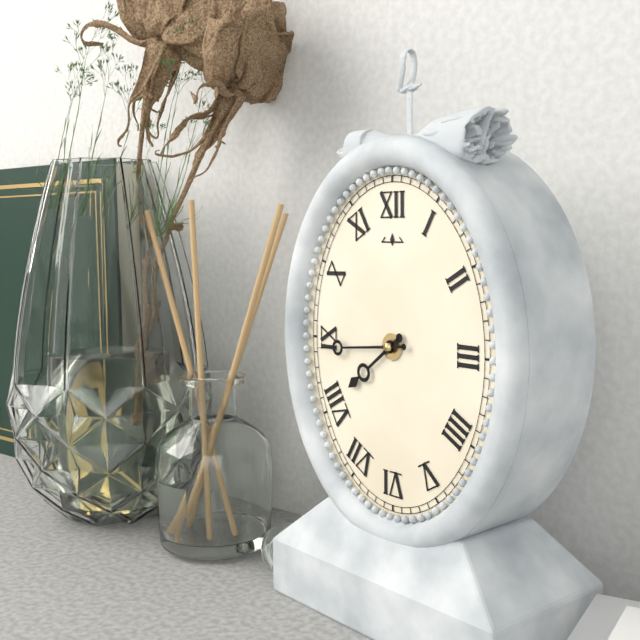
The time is 7:44
